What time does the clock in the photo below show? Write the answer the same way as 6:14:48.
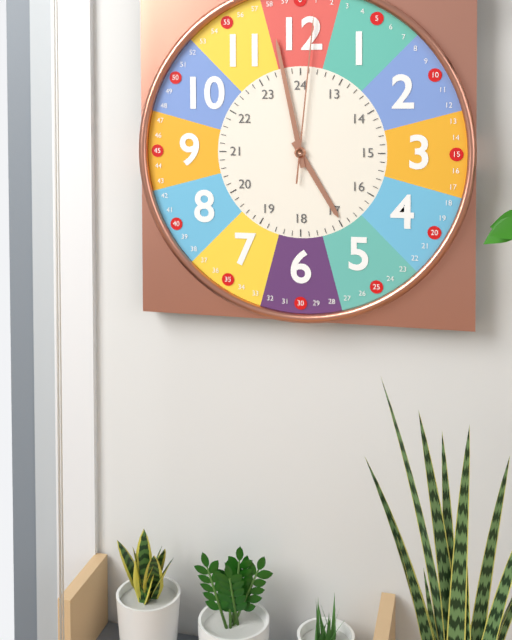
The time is 4:58:01
